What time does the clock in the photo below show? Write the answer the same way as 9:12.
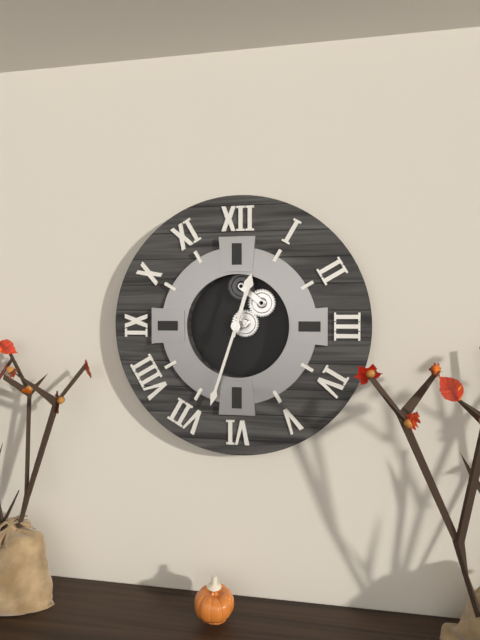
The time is 12:33
